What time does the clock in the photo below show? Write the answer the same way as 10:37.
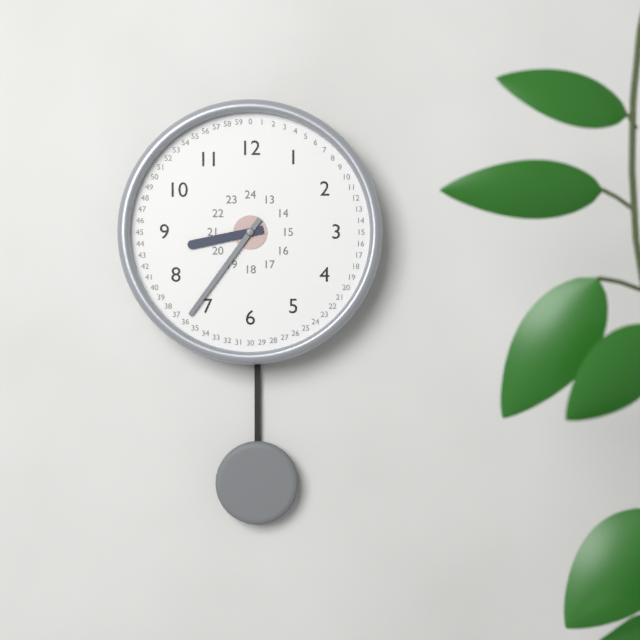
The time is 8:36
